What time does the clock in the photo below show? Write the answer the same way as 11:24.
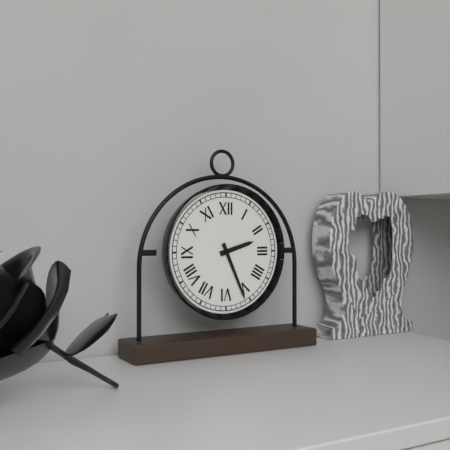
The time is 2:26
